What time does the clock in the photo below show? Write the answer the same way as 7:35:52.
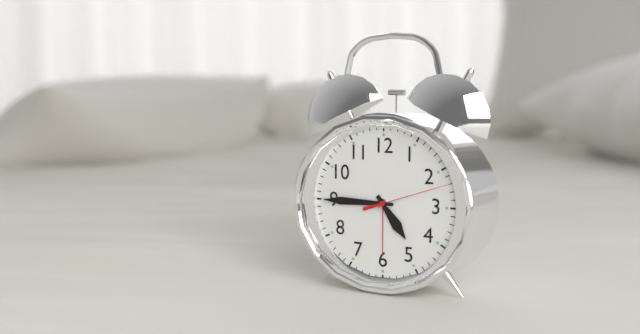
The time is 4:45:12
